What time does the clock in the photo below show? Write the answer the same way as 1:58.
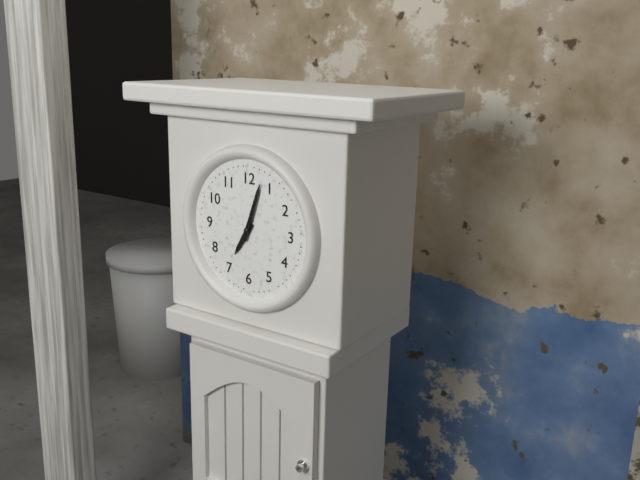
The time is 7:03
